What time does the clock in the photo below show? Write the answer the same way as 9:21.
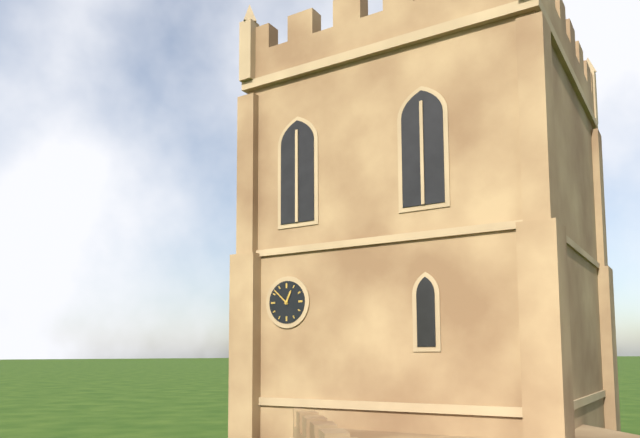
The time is 12:52
